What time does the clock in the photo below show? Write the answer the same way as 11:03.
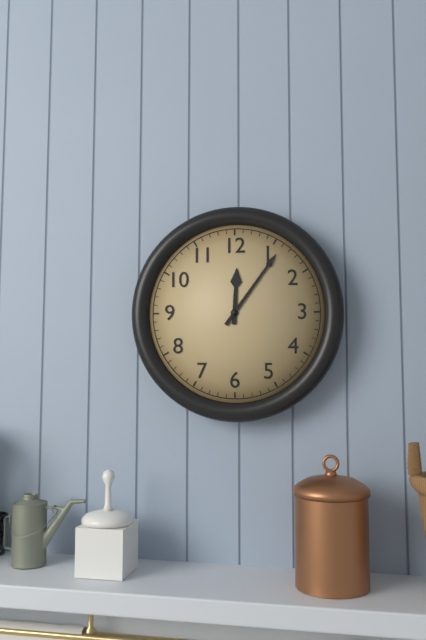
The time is 12:06
